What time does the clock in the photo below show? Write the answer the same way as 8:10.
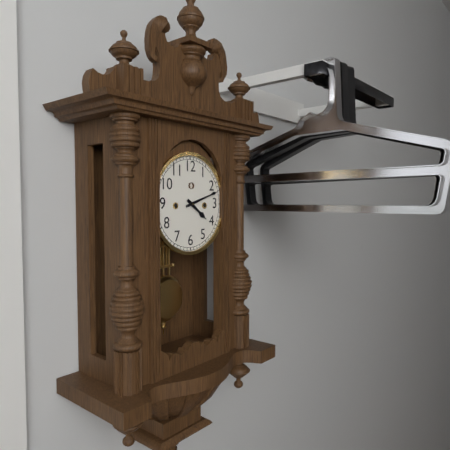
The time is 4:12
